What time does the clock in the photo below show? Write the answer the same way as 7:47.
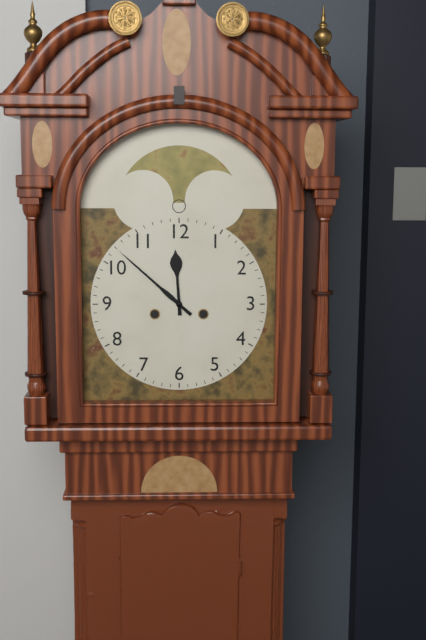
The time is 11:52
